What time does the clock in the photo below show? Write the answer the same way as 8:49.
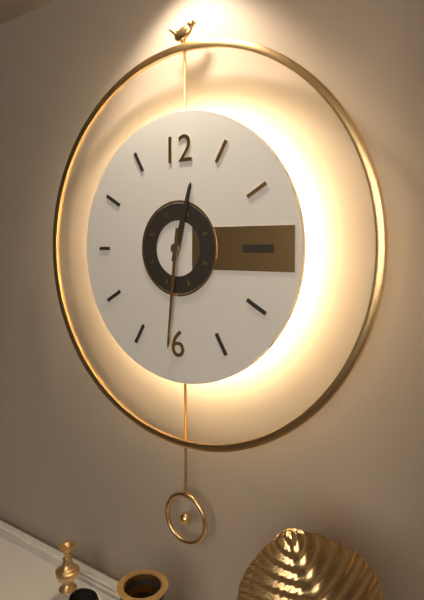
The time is 12:31
